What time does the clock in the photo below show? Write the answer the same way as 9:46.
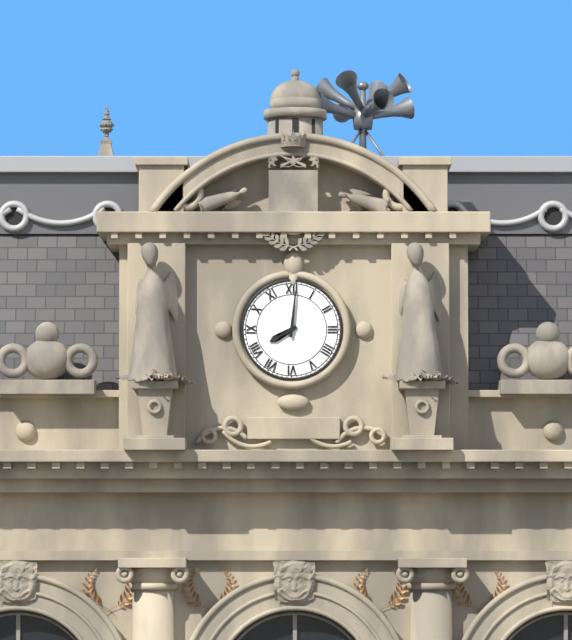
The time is 8:01
